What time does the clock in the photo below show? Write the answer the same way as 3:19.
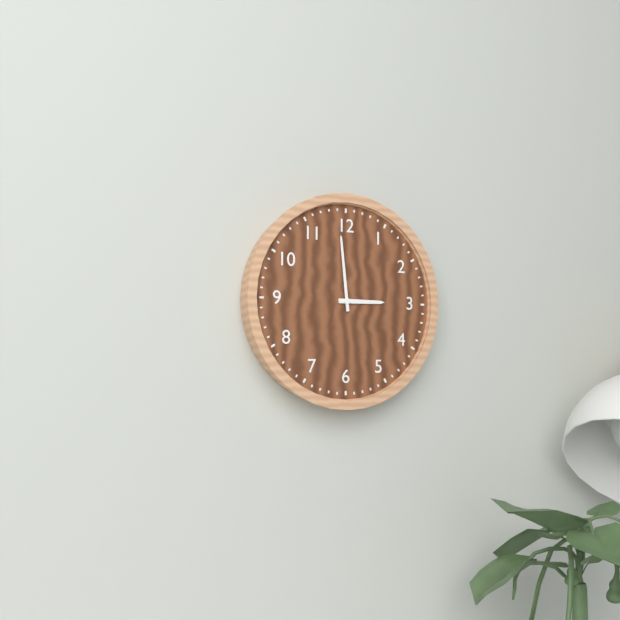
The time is 2:59
